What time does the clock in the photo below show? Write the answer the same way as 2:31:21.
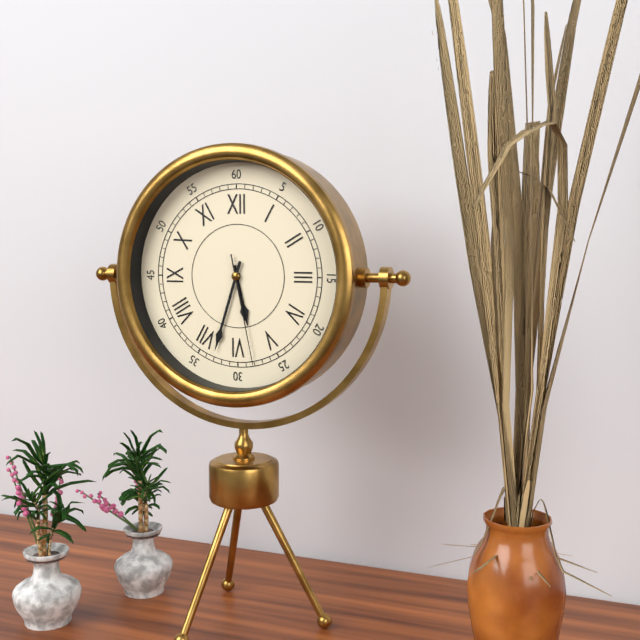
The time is 5:33:28
